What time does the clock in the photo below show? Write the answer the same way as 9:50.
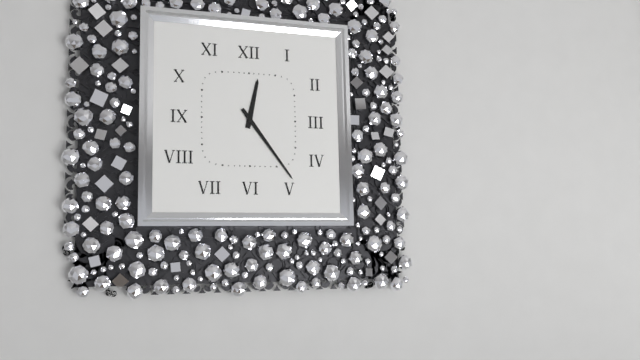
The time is 12:24
